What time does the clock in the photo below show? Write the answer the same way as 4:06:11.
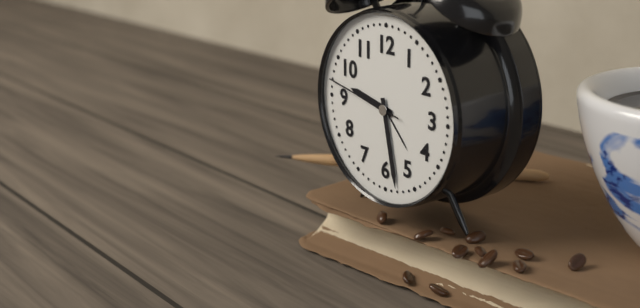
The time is 9:28:47
